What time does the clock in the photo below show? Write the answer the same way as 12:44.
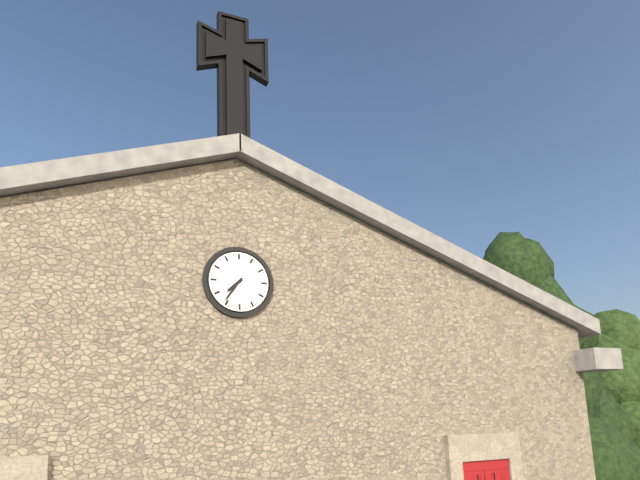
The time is 7:36
